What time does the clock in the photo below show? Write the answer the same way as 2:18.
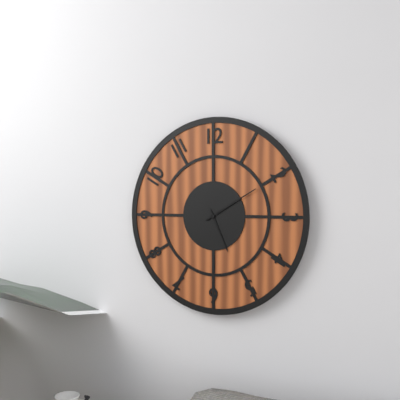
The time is 5:10
